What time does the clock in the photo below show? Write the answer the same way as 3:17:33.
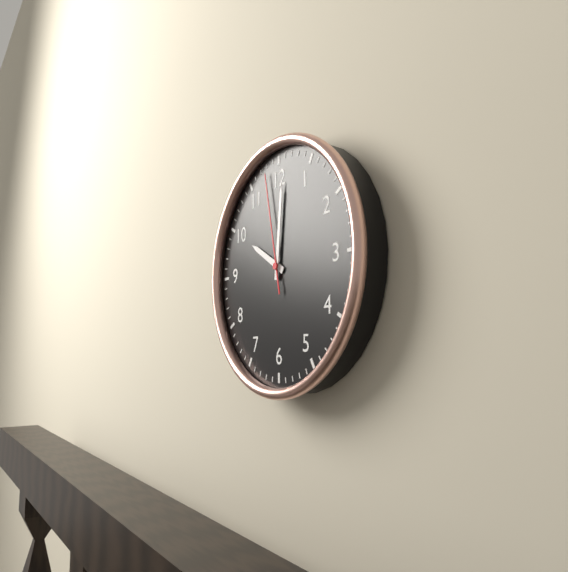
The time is 10:01:58
